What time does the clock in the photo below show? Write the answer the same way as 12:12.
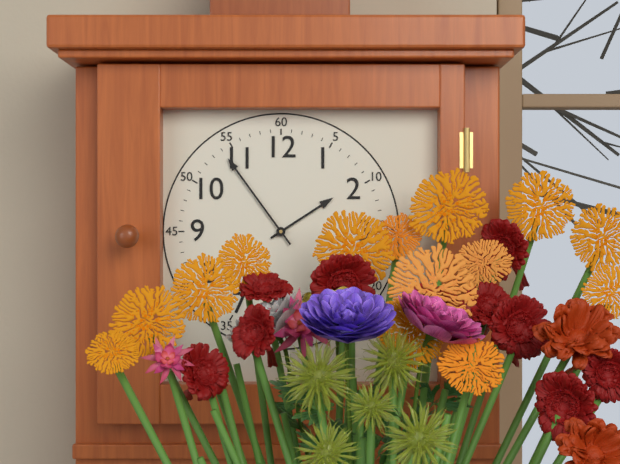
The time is 1:54
